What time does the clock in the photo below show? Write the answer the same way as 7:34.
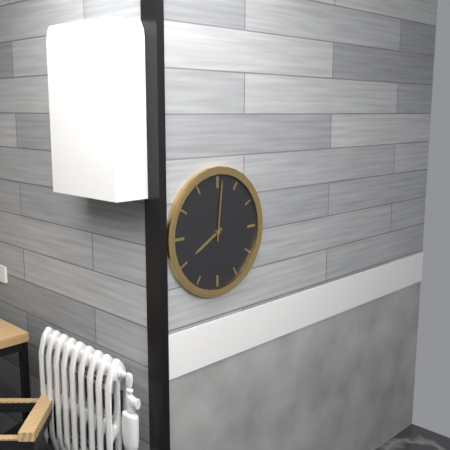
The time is 8:01
